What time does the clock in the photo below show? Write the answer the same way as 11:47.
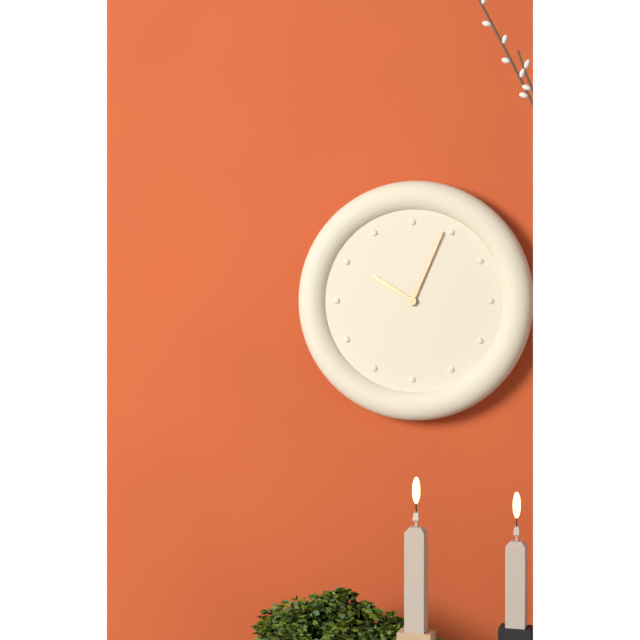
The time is 10:04
